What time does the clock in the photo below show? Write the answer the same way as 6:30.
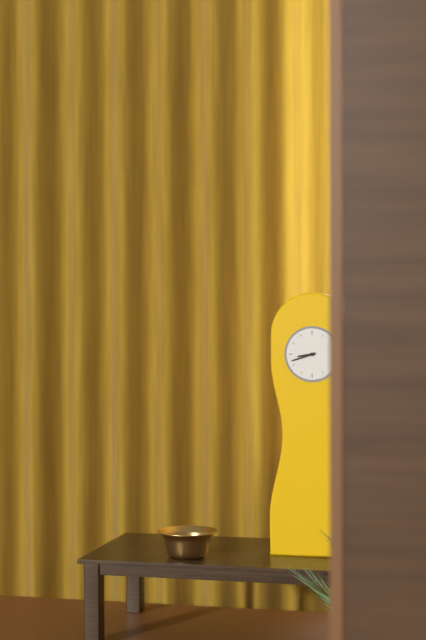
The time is 8:42
